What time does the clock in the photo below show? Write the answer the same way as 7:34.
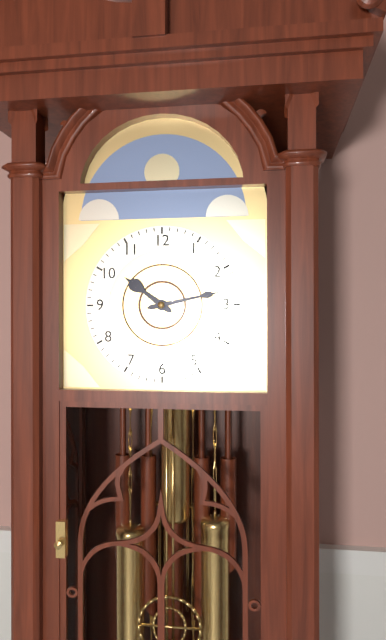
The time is 10:13
